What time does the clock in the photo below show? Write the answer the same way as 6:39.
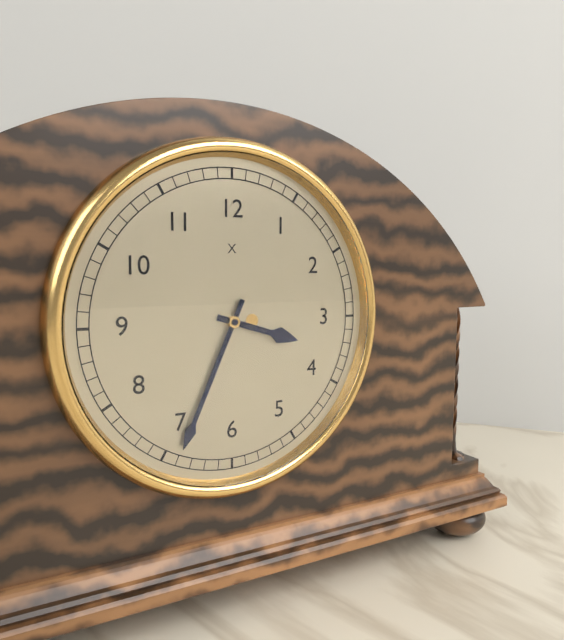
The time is 3:34
